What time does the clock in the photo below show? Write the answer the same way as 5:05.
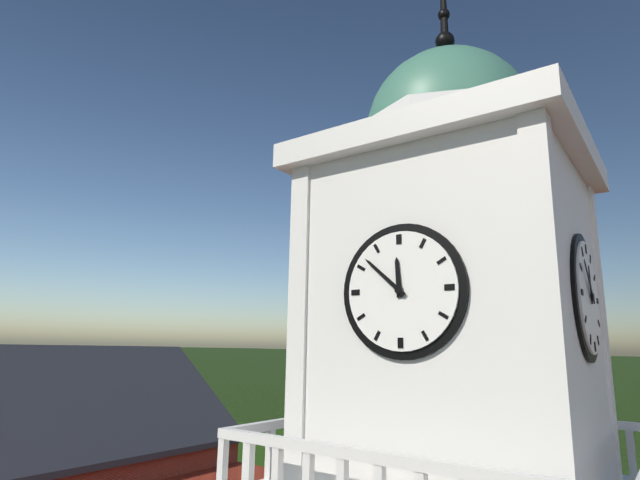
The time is 11:52
